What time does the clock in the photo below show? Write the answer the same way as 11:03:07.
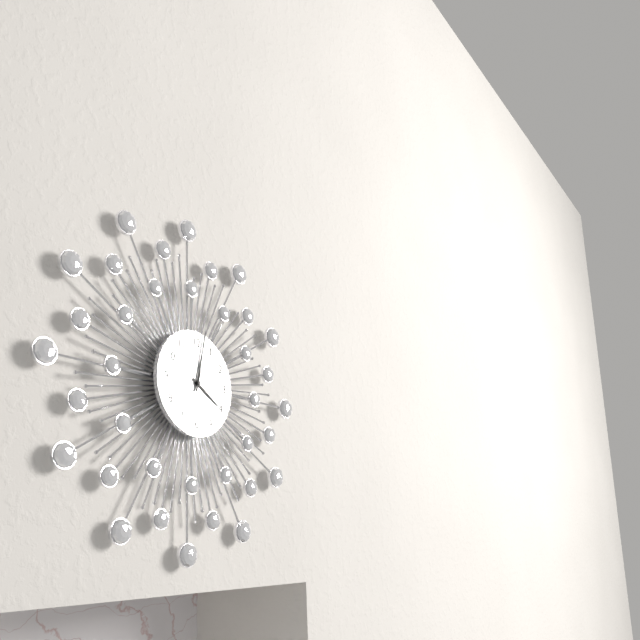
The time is 4:02:03
